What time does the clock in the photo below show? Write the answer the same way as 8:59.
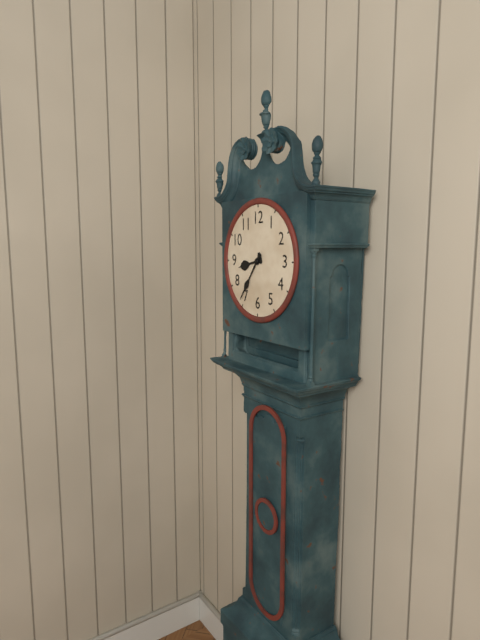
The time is 8:36
